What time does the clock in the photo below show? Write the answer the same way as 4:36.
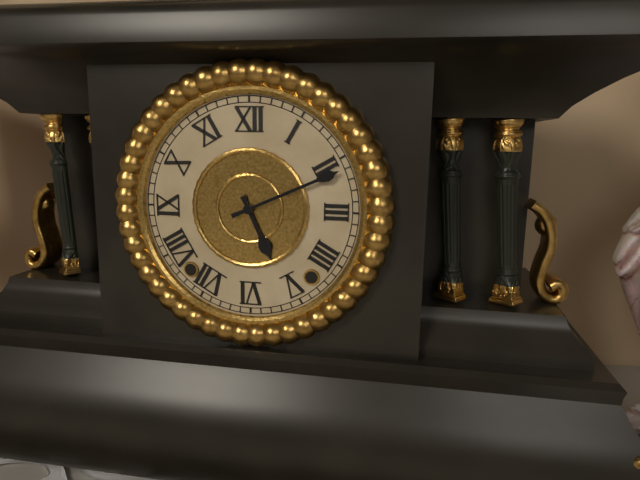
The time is 5:11
